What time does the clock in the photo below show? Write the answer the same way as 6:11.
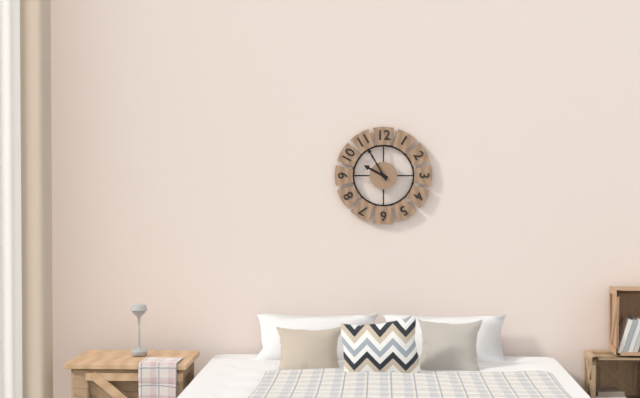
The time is 9:55
